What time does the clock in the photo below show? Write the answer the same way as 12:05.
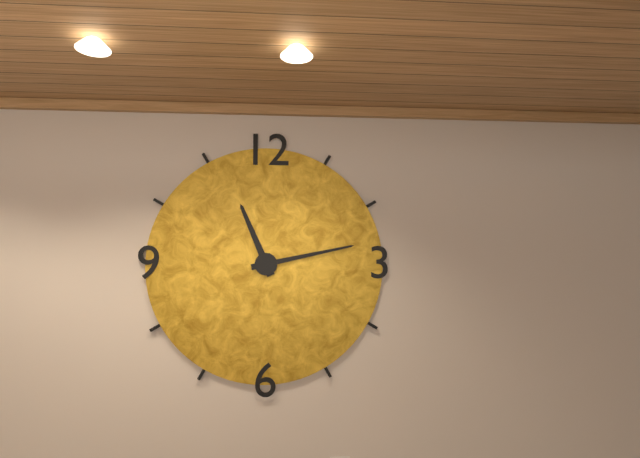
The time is 11:13
